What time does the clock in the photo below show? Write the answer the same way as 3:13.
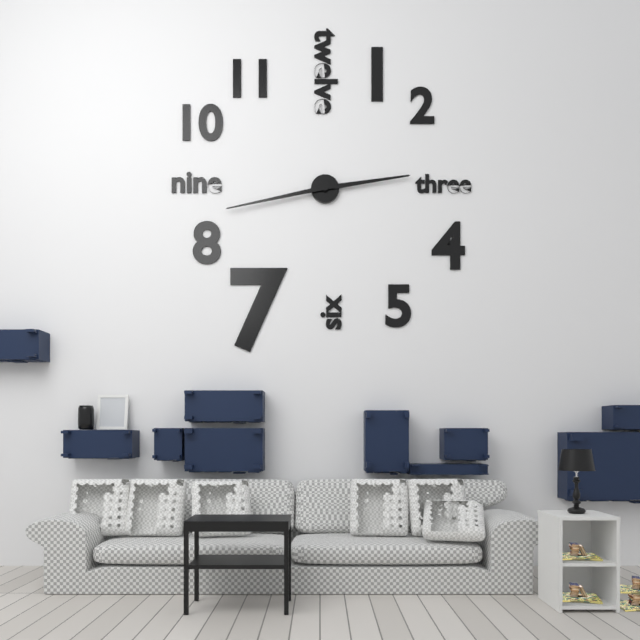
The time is 2:43
